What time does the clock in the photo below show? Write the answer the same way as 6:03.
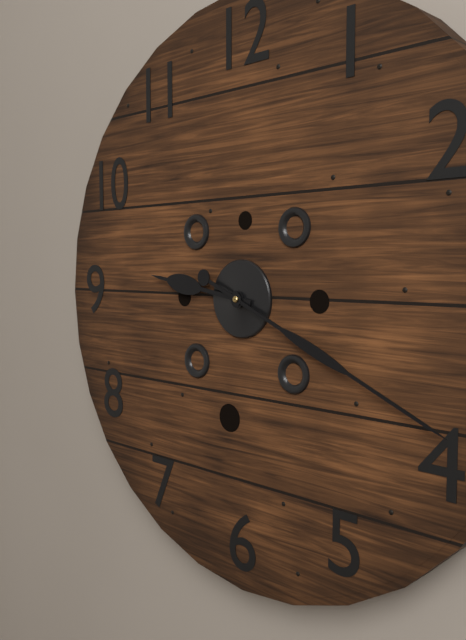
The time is 9:19
